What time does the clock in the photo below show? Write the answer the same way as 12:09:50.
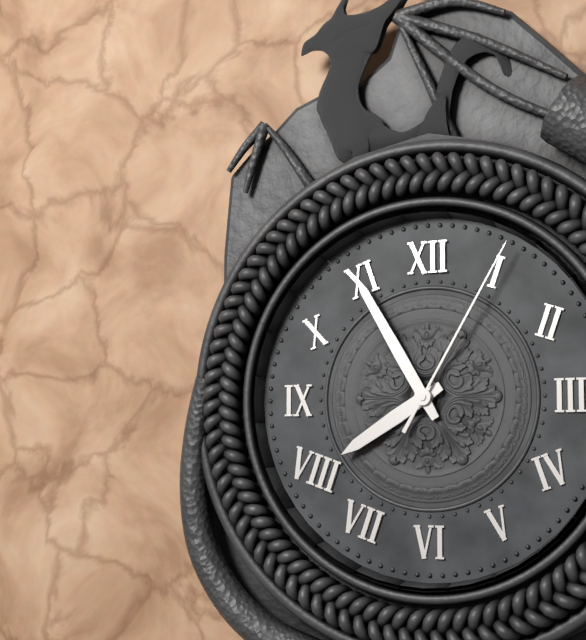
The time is 7:55:05
